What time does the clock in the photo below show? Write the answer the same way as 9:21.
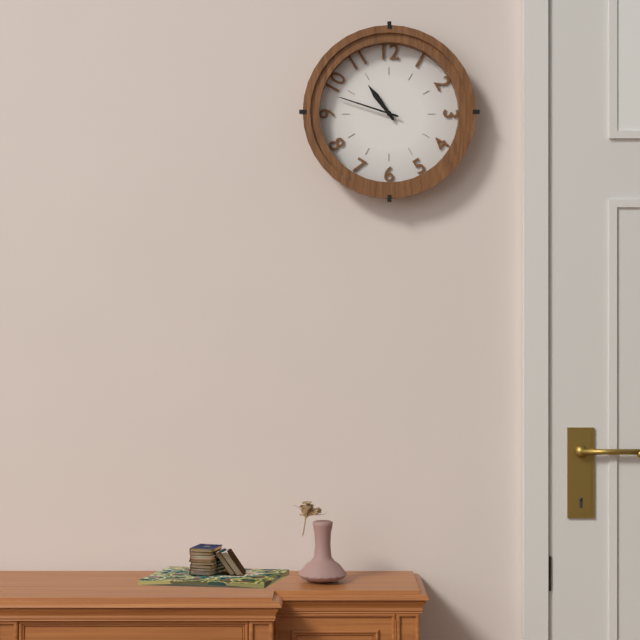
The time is 10:48
